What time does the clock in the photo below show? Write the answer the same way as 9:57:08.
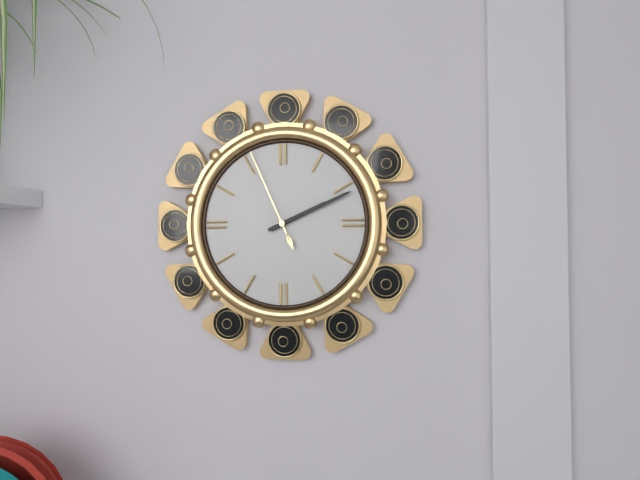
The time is 2:11:56
